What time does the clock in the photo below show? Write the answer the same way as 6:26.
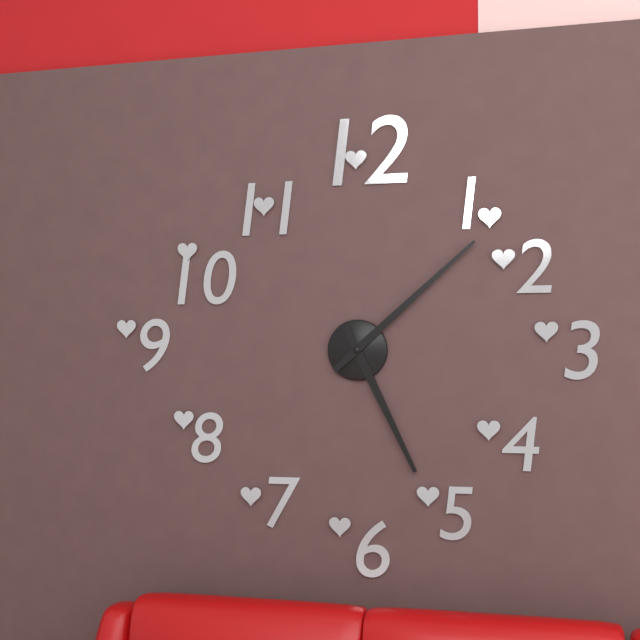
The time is 5:08
